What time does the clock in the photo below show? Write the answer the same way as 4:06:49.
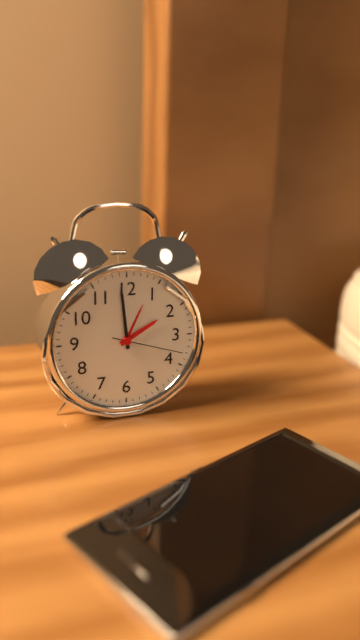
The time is 1:59:18
